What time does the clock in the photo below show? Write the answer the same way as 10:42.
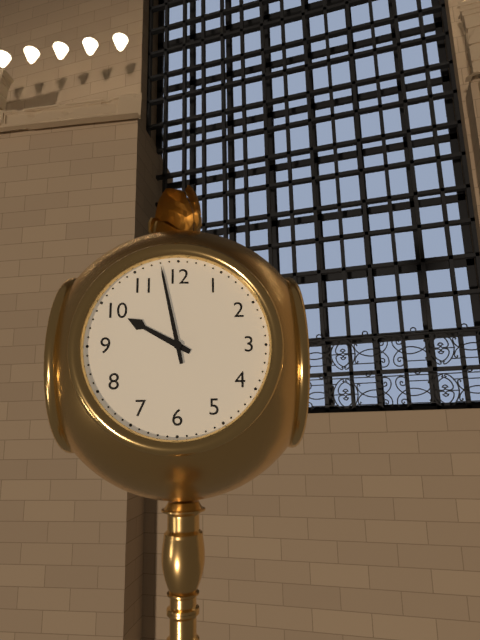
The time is 9:58
